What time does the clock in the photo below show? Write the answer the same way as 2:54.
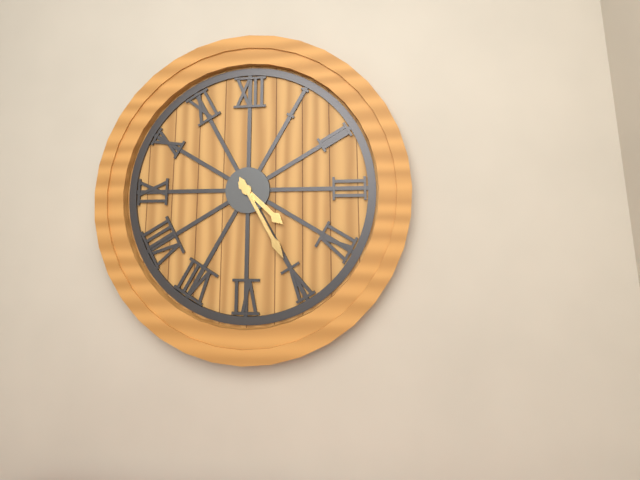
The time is 4:25
